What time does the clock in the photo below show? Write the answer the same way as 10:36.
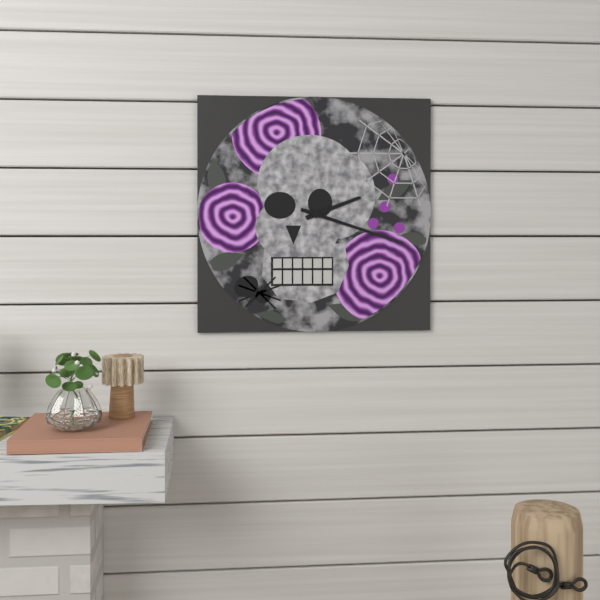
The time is 2:18
